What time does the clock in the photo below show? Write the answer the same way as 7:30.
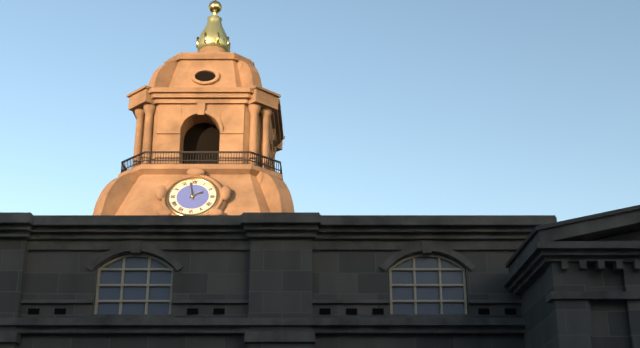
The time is 1:58
